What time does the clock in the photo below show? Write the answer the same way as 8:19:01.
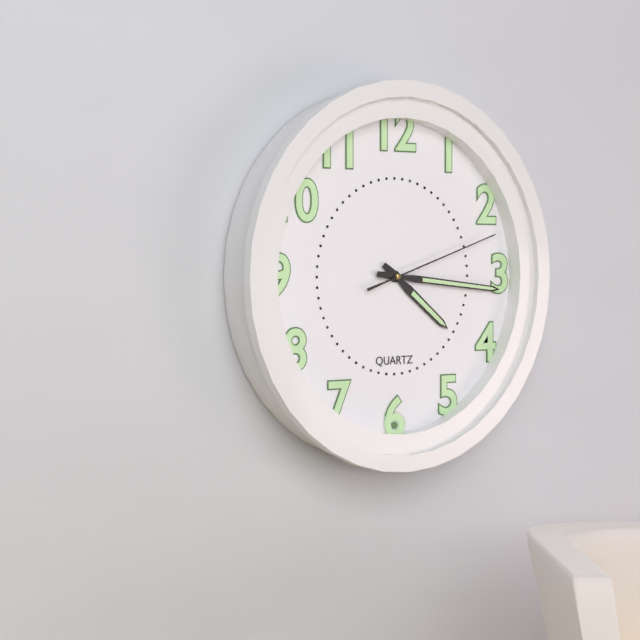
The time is 4:16:12
